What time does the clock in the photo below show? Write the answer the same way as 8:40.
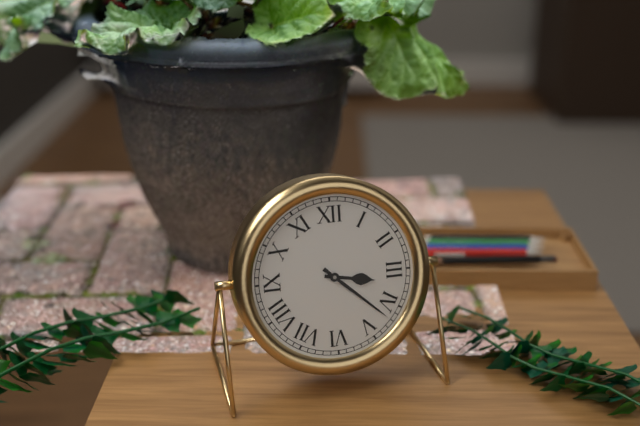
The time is 3:22
